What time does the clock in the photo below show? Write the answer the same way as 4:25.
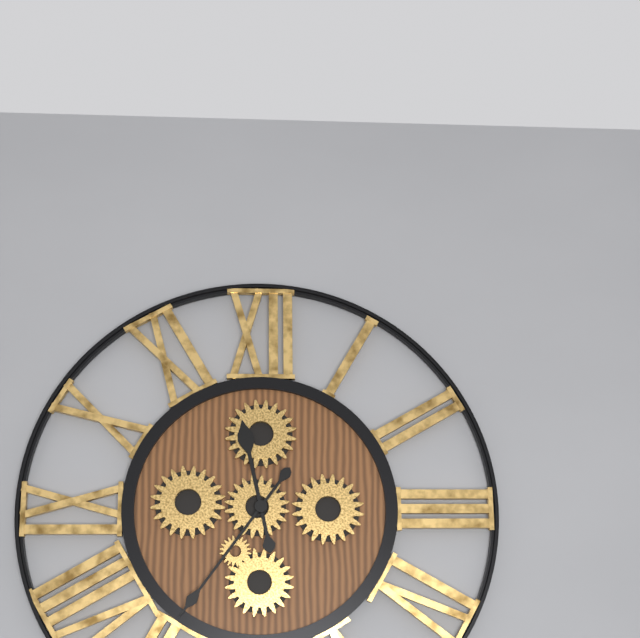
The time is 11:36
